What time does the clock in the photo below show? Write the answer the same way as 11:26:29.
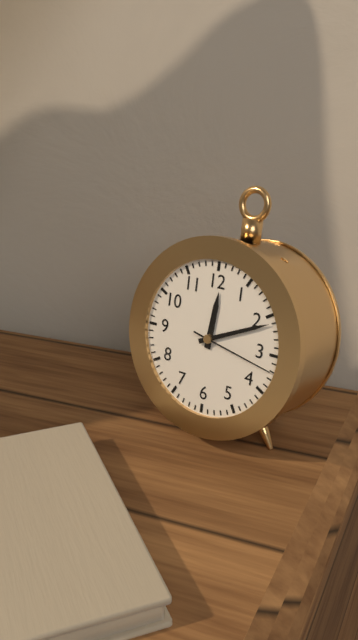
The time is 12:11:17
